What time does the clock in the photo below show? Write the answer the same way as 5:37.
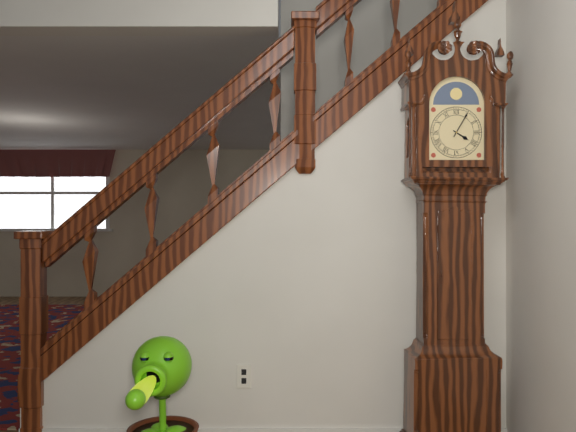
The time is 4:05
